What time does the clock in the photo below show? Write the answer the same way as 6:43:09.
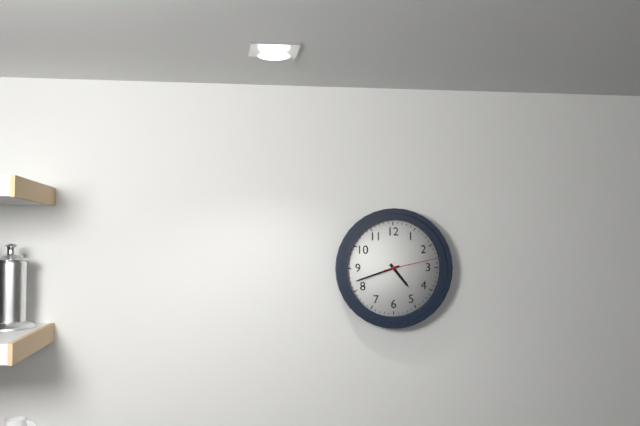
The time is 4:42:13
